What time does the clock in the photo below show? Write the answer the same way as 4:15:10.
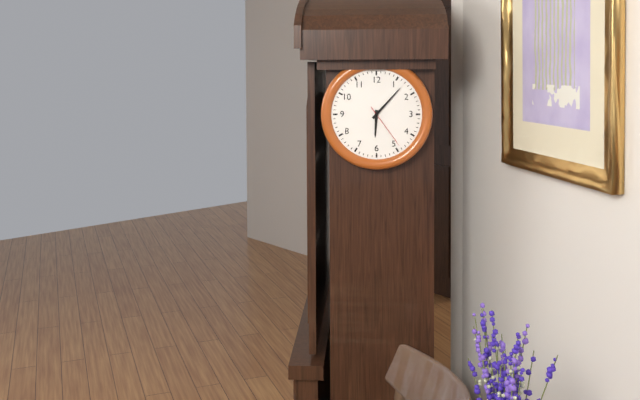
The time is 6:07:24
